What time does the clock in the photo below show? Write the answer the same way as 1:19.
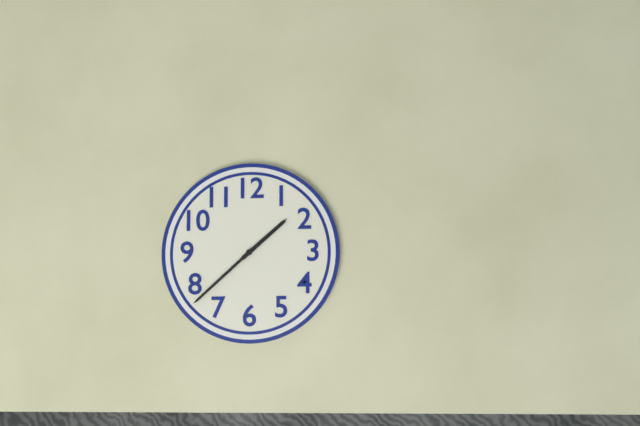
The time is 1:38
